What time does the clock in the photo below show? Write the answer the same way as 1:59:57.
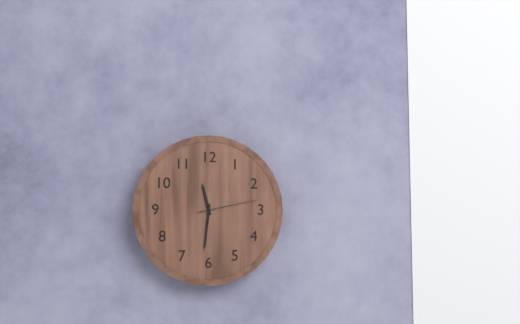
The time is 11:31:13
